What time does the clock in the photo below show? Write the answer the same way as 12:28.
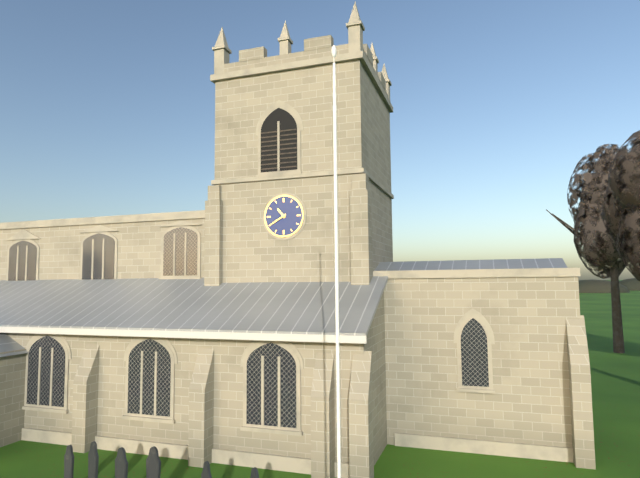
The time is 10:40
